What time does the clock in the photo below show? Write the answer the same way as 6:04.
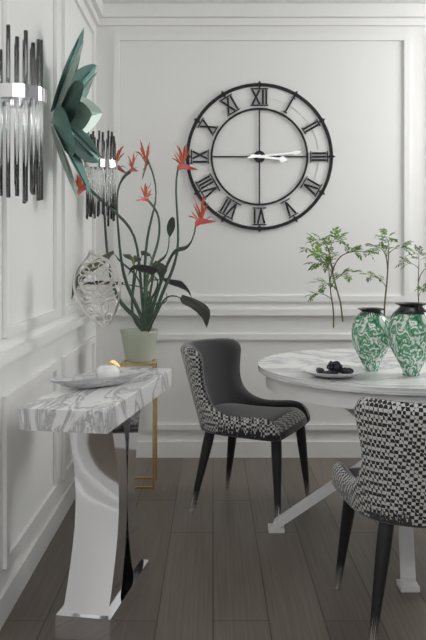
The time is 3:14
